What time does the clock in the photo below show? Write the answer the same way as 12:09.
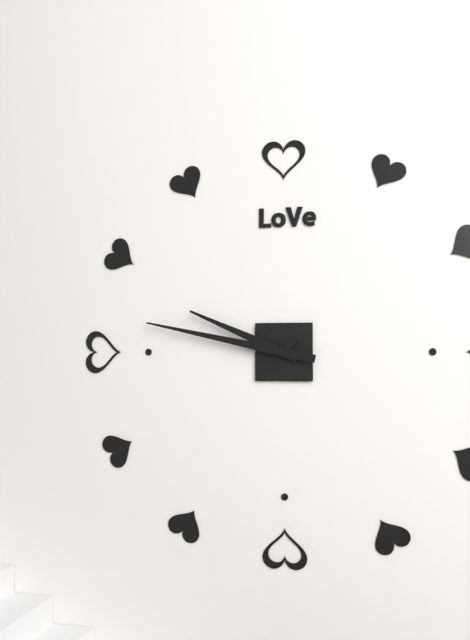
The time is 9:47
